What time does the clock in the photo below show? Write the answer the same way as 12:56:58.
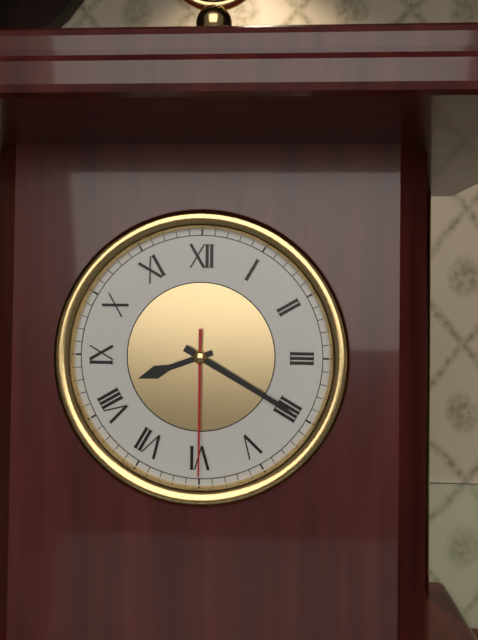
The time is 8:20:30
